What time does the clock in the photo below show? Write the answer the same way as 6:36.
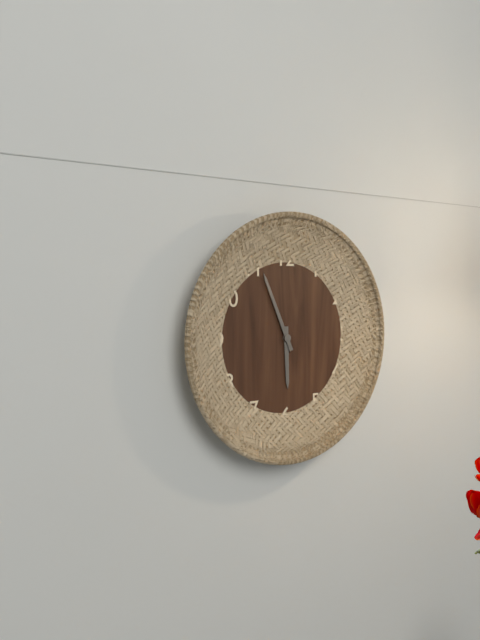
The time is 5:56
